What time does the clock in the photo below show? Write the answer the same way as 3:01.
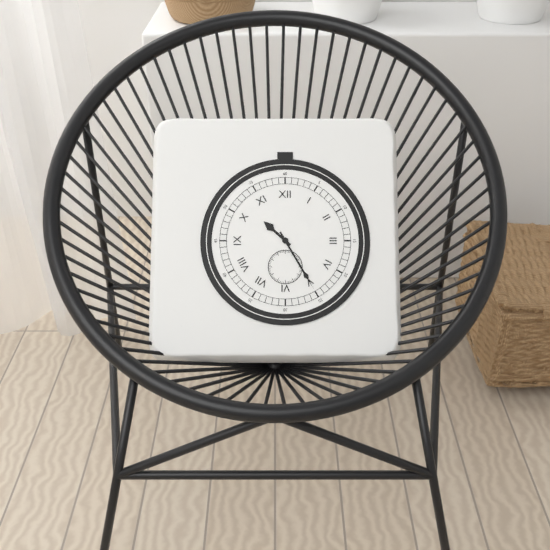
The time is 10:25
